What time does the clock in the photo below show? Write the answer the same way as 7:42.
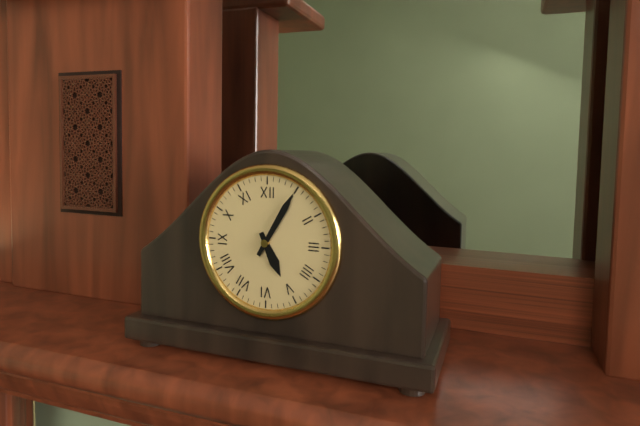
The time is 5:05
